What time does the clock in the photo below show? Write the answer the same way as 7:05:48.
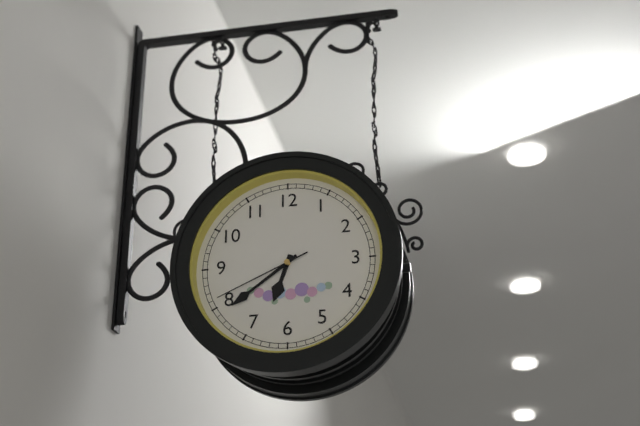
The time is 6:39:41
